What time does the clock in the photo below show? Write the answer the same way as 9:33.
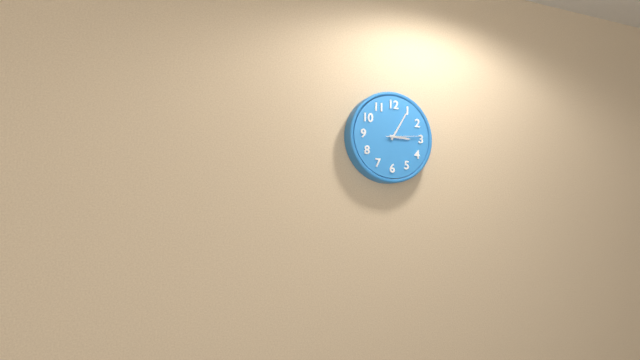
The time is 3:05
